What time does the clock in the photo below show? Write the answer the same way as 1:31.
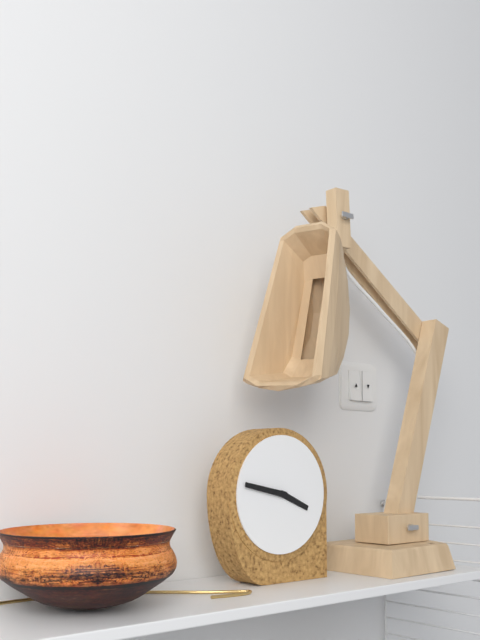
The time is 3:47
